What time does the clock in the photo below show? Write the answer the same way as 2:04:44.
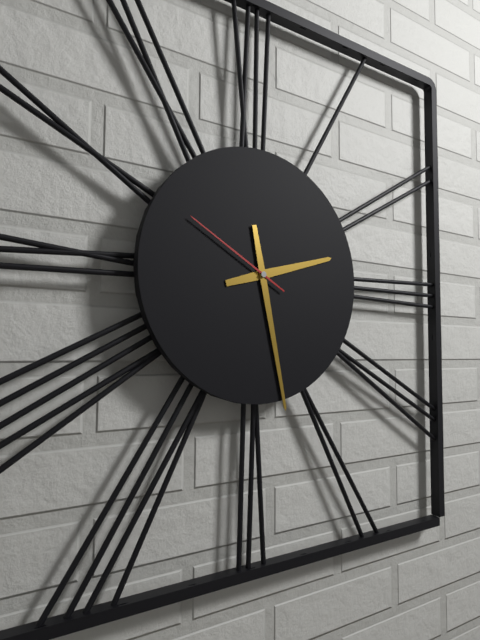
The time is 2:28:50
